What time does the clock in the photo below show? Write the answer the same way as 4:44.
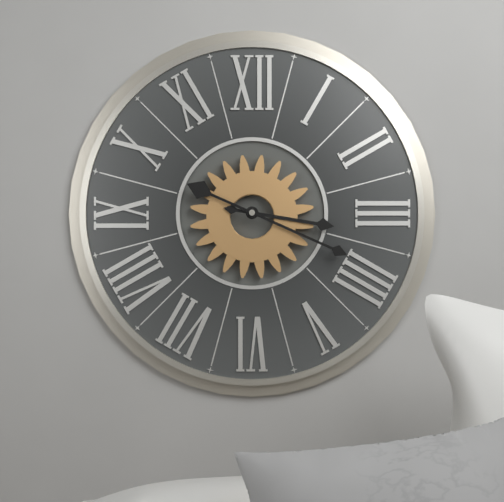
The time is 3:19
